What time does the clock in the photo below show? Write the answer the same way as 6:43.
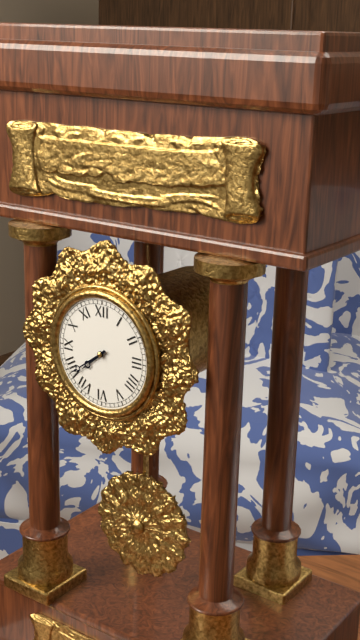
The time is 7:39
